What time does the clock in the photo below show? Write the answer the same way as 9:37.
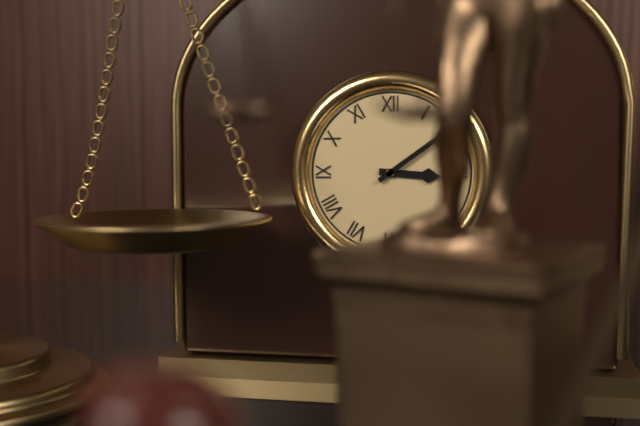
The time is 3:09
